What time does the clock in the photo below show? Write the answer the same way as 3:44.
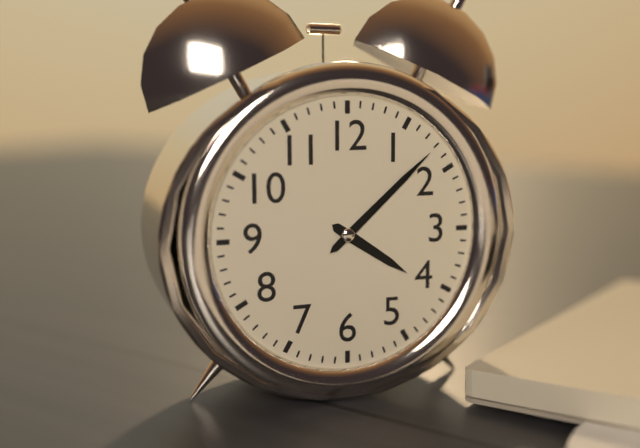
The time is 4:08
